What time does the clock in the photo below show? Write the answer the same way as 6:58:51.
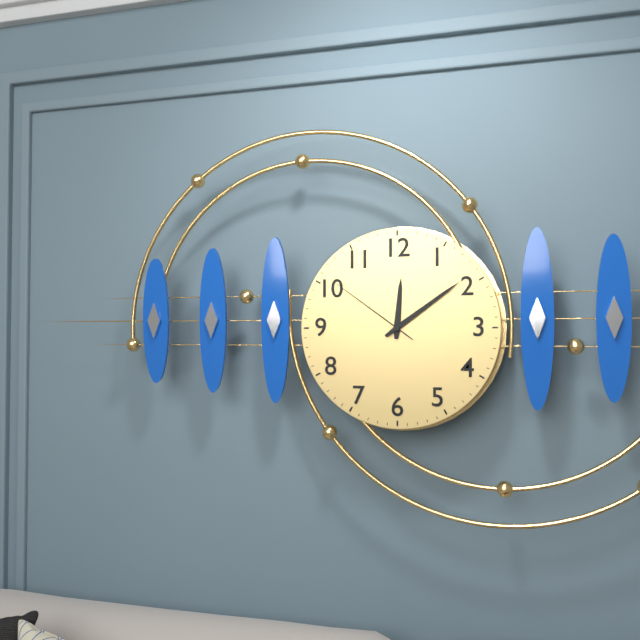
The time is 12:09:51
